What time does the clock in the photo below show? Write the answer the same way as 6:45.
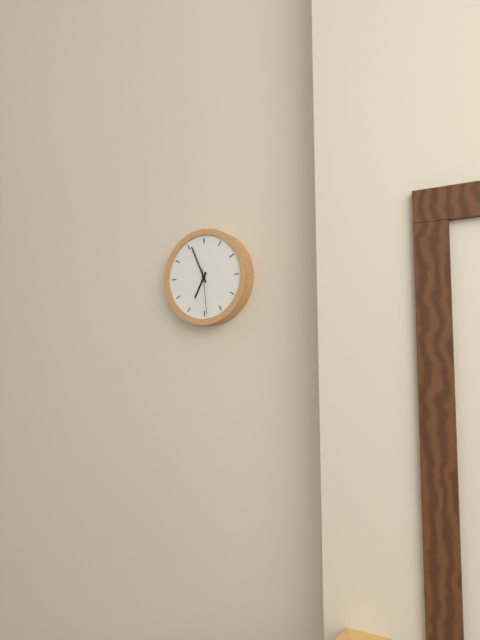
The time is 6:56
